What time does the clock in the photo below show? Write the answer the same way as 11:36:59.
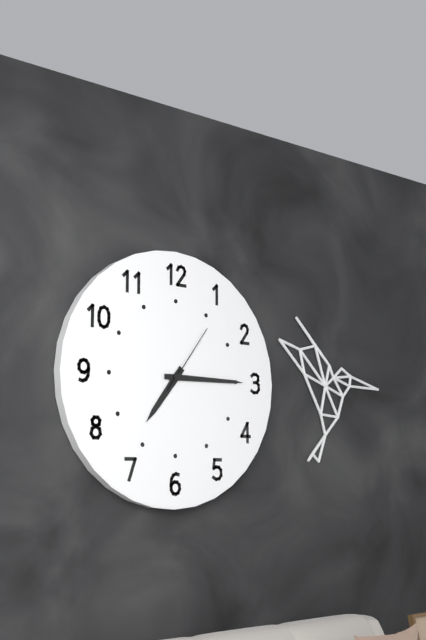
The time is 7:15:06
